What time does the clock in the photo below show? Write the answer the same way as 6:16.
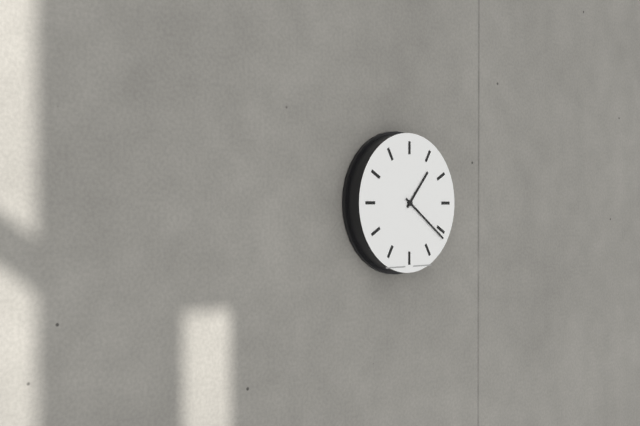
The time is 1:21
